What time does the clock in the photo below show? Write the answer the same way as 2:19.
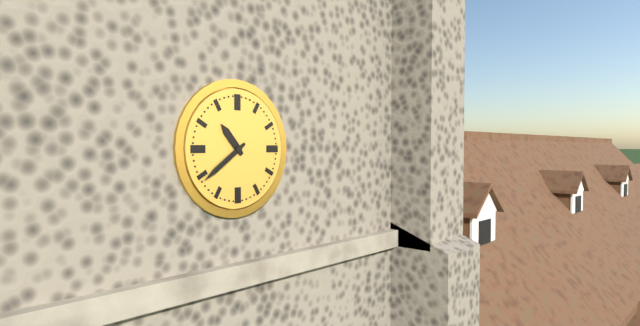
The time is 10:39
